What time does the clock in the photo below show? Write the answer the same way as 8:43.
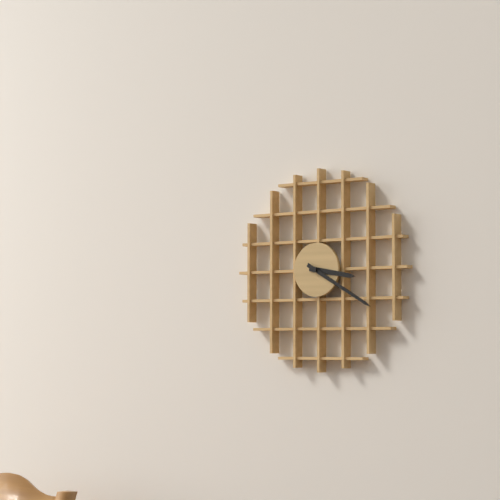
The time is 3:20
